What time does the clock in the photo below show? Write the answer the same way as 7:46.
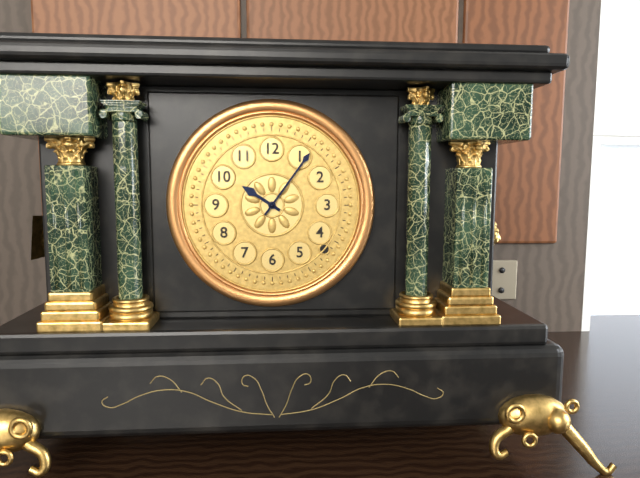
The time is 10:06
